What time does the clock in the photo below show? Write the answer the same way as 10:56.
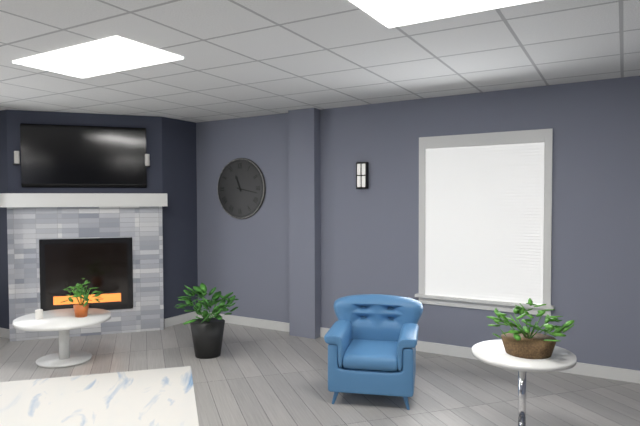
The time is 11:17
